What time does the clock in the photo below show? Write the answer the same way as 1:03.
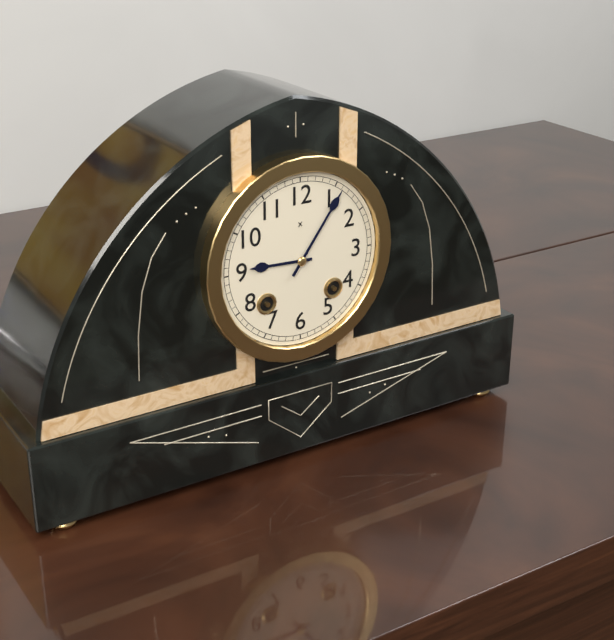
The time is 9:06
